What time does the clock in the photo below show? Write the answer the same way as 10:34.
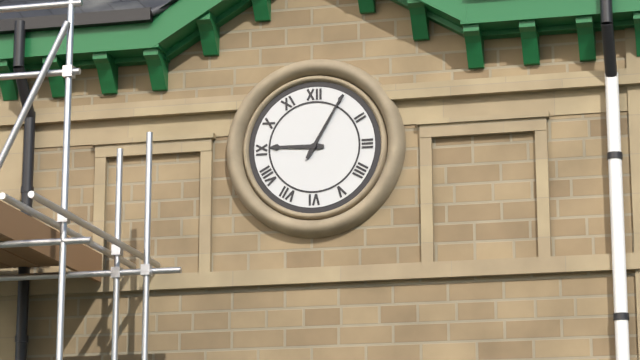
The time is 9:05
